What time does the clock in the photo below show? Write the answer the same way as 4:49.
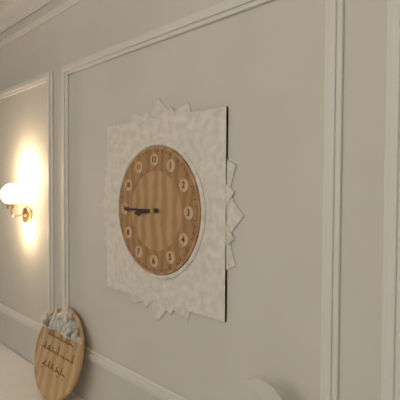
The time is 8:45
